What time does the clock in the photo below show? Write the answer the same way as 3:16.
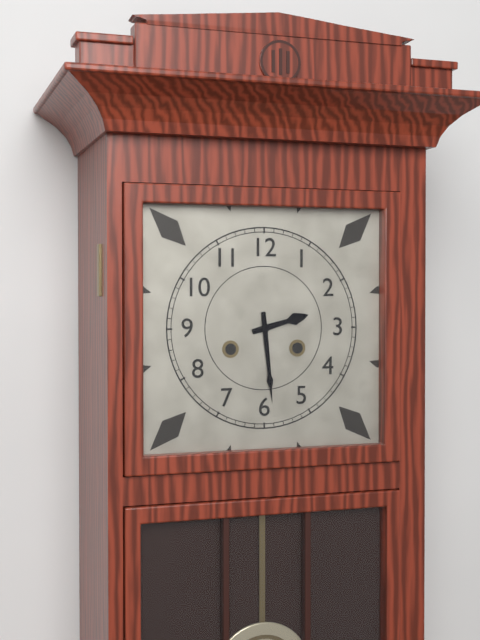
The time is 2:29
